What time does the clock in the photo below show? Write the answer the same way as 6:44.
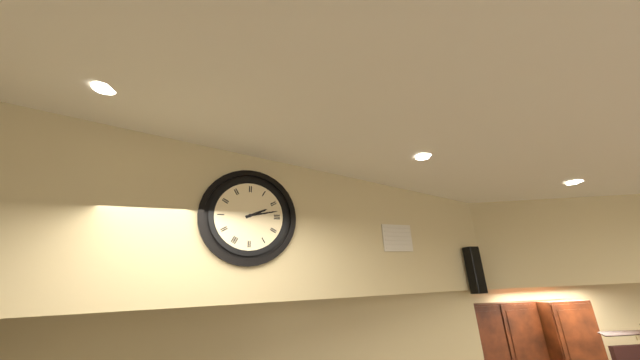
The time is 2:13
